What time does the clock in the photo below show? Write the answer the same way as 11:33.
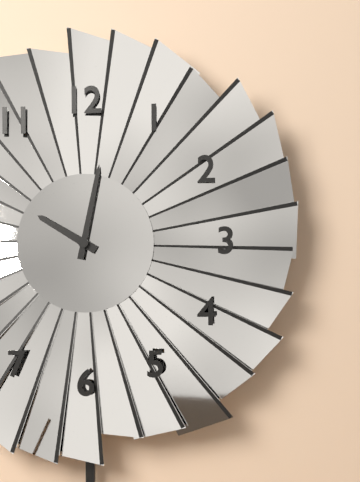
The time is 10:02
